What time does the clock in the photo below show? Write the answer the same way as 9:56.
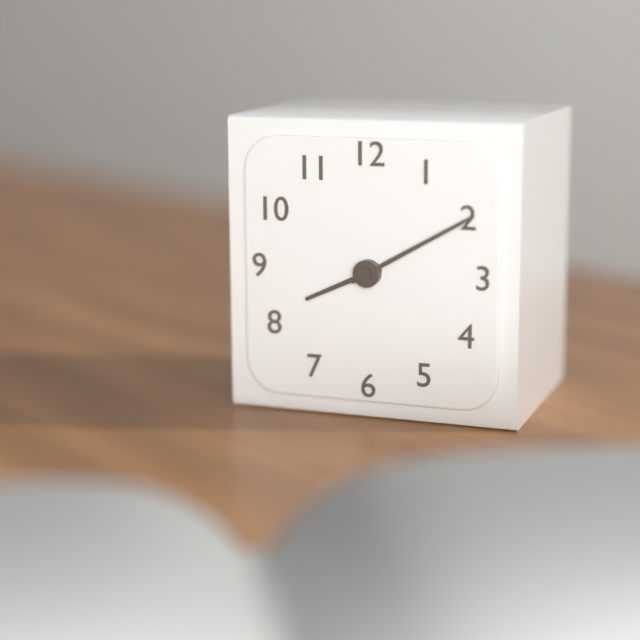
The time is 8:10
